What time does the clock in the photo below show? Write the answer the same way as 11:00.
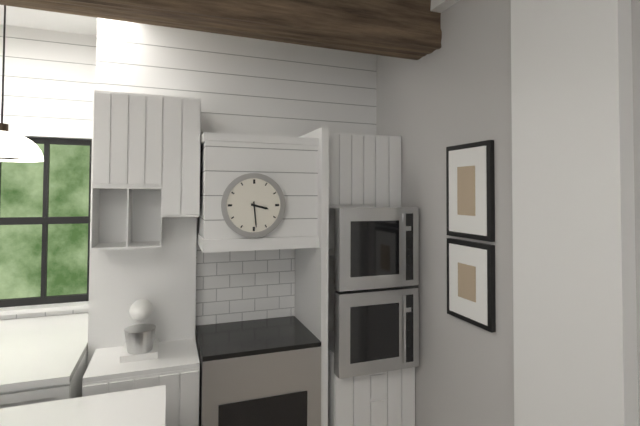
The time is 3:29
